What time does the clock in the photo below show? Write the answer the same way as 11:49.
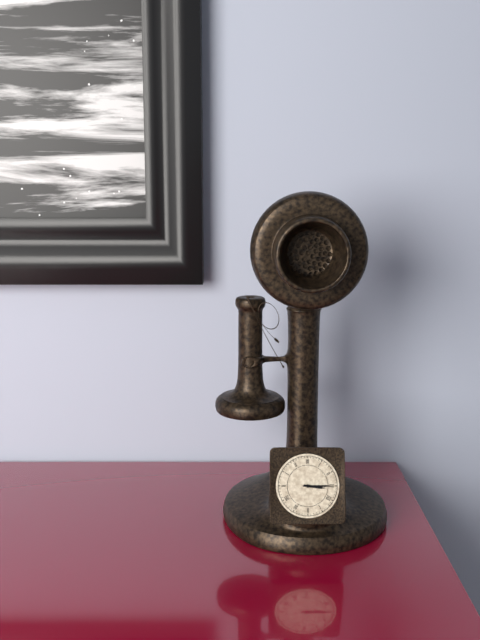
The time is 3:15
